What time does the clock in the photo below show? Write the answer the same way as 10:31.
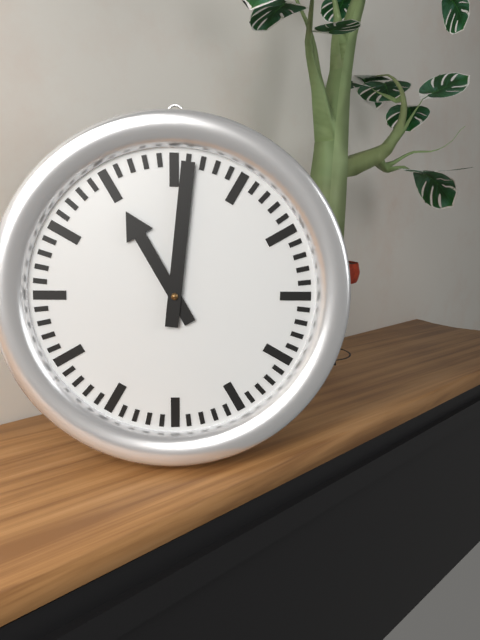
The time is 11:01
